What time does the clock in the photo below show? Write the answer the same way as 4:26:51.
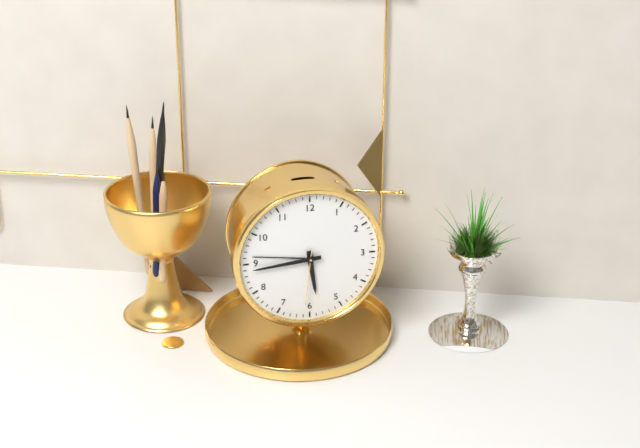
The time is 5:44:31
